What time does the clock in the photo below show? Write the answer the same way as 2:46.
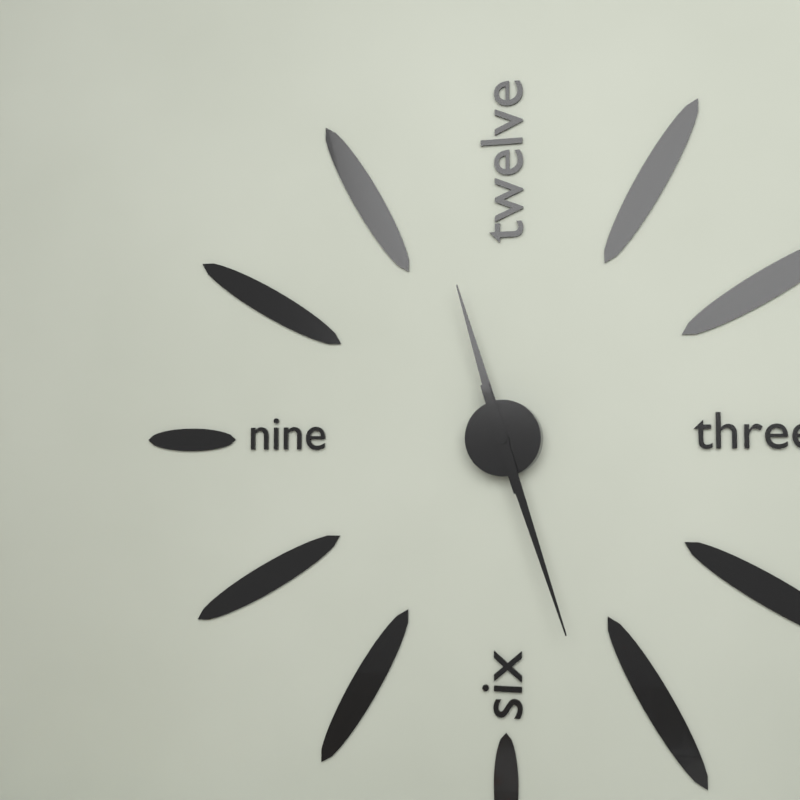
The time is 11:27
